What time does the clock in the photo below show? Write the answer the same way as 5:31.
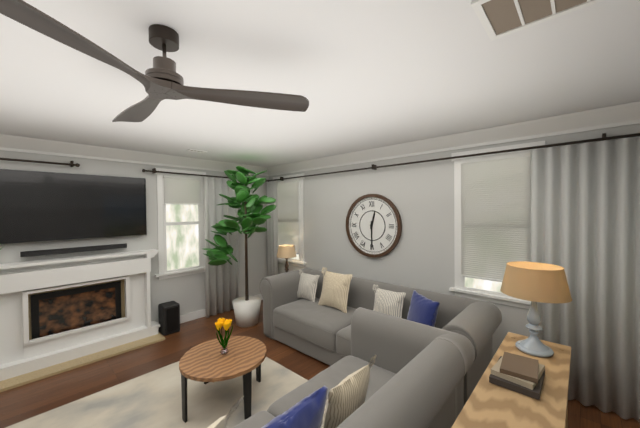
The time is 12:30
